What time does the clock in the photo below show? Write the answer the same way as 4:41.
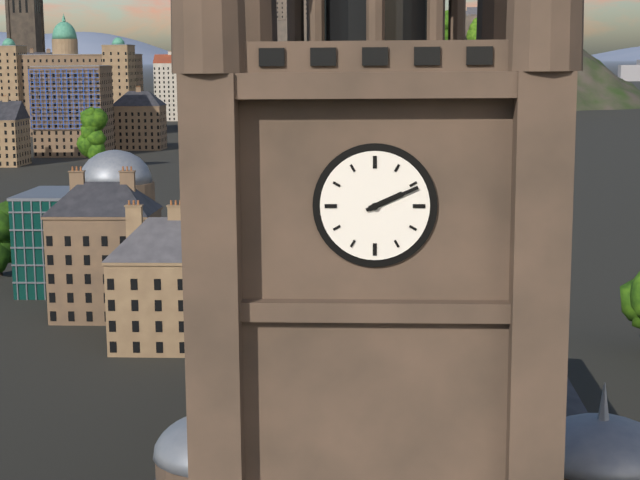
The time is 2:11
